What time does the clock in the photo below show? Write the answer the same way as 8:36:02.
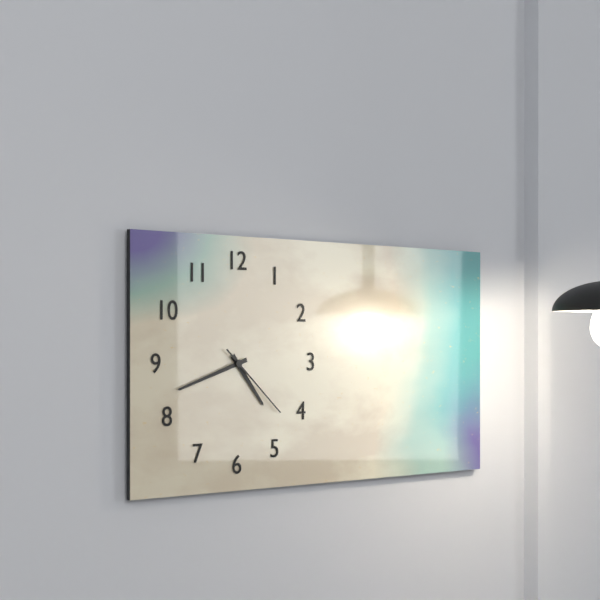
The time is 4:42:22
